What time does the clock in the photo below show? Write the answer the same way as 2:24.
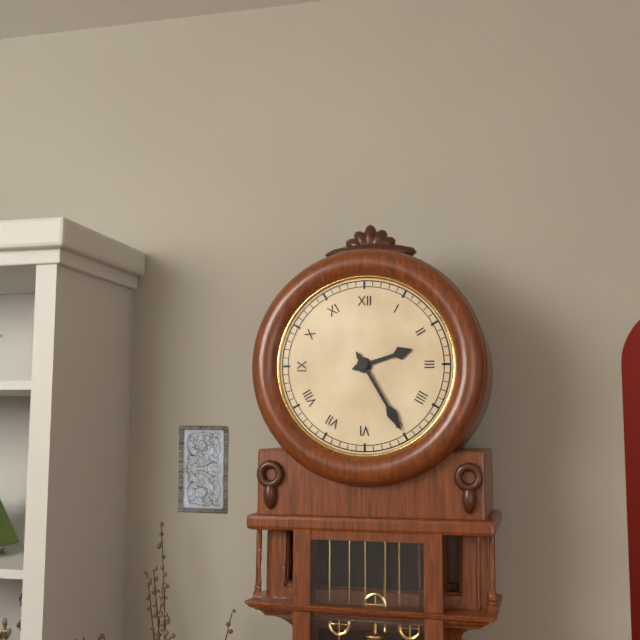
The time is 2:25
